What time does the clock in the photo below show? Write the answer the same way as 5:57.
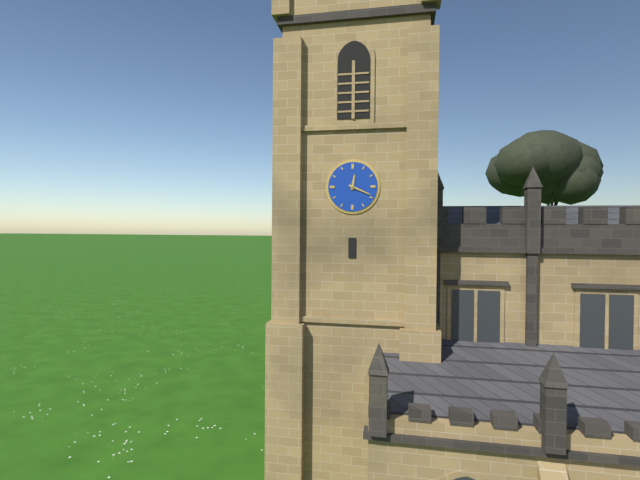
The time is 12:19
